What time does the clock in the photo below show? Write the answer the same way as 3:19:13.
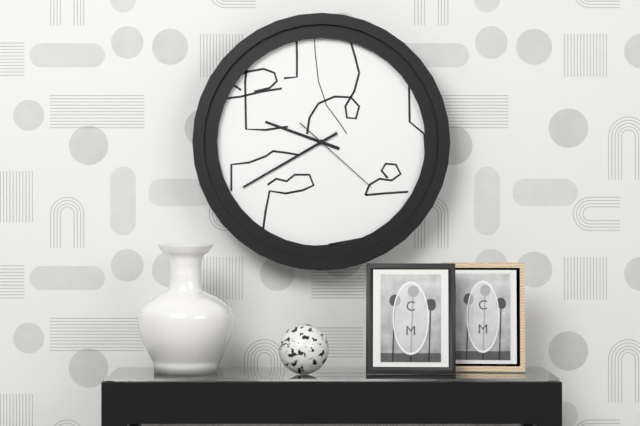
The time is 9:40:22
